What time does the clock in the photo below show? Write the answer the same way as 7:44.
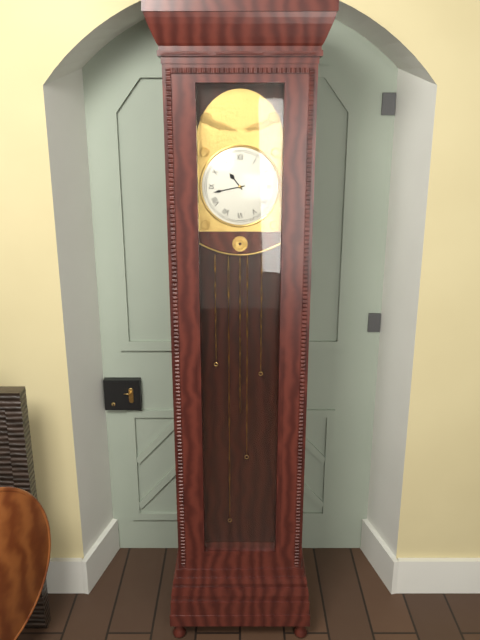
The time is 10:43
